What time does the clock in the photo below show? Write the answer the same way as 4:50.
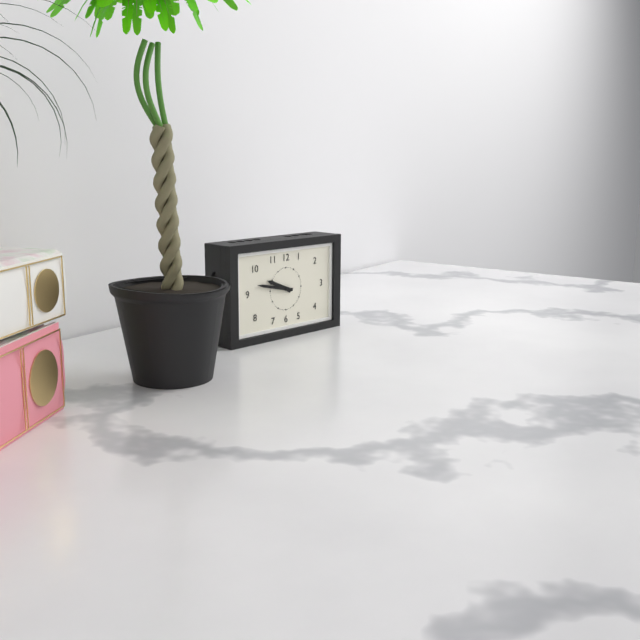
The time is 9:47
